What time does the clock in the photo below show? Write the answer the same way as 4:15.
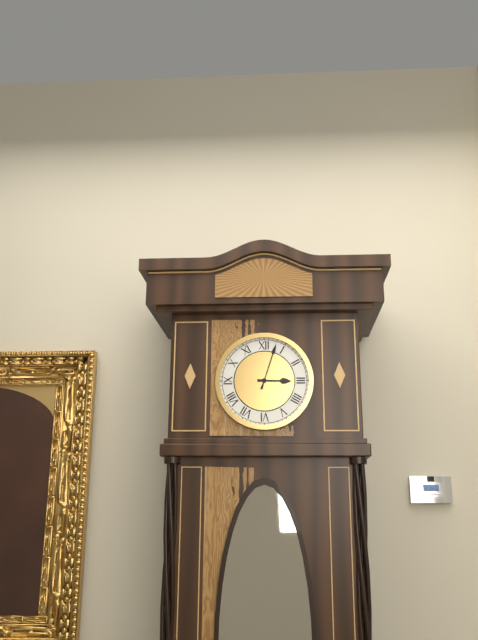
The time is 3:03
